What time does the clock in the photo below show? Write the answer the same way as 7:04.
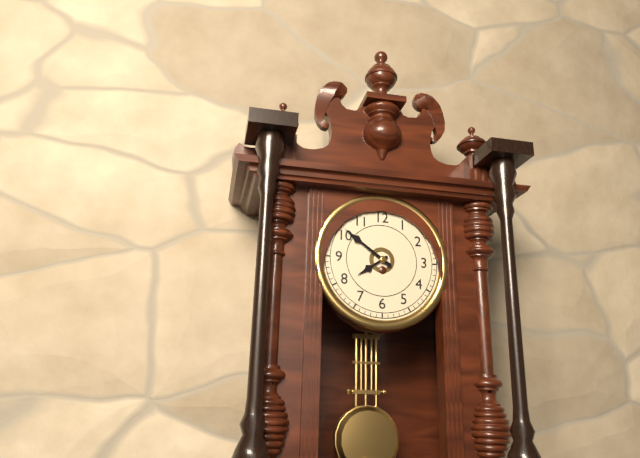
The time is 7:51
